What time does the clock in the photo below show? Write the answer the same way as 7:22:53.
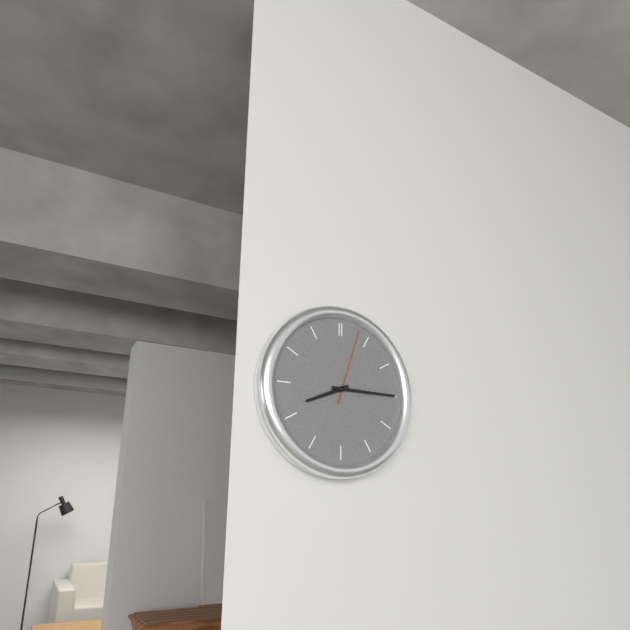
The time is 8:15:03
